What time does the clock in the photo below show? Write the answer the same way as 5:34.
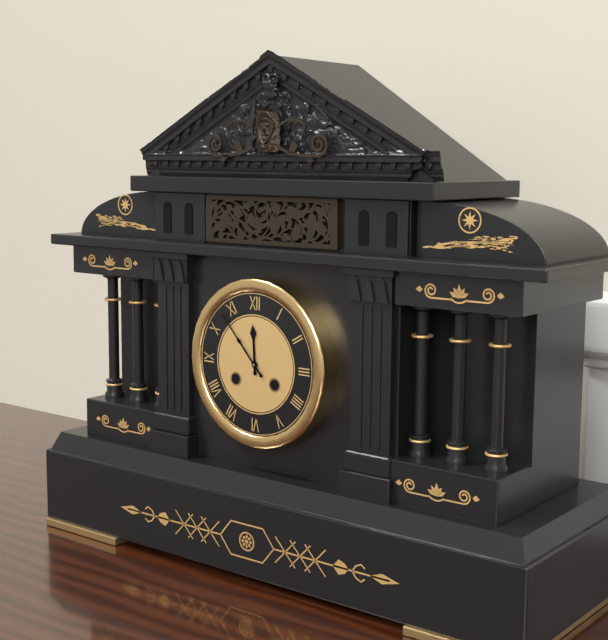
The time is 11:53
